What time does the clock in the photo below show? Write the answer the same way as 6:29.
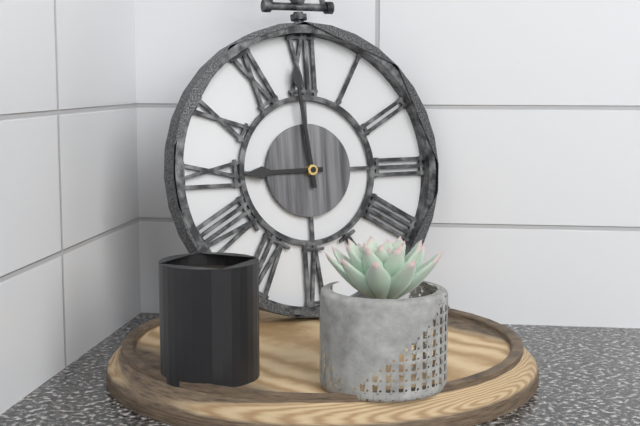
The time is 8:59
